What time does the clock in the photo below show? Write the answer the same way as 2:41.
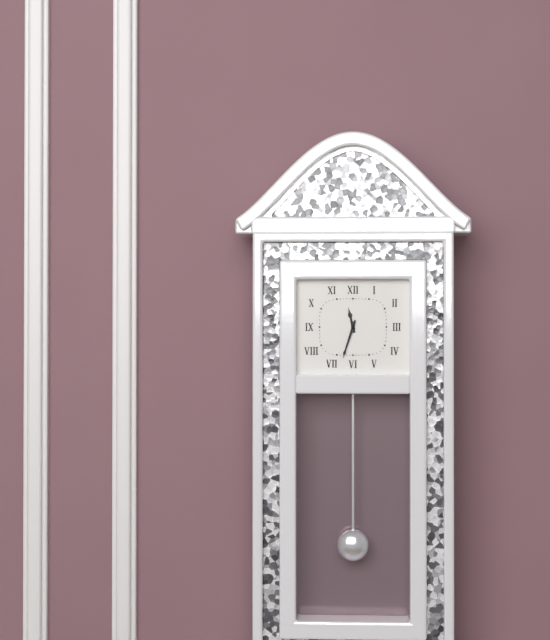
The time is 11:33
